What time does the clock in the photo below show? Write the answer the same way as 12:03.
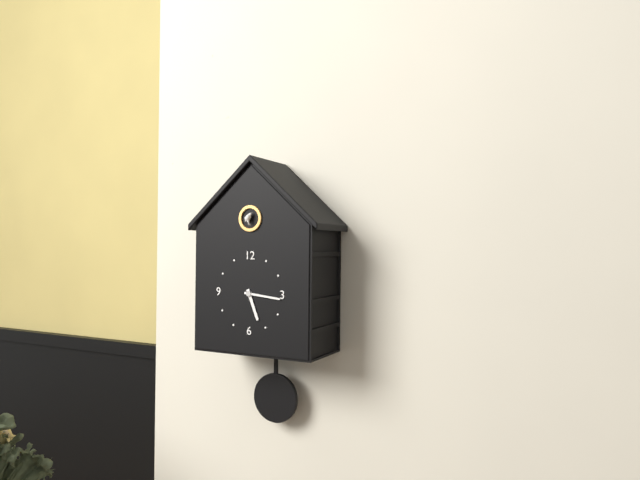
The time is 5:16
